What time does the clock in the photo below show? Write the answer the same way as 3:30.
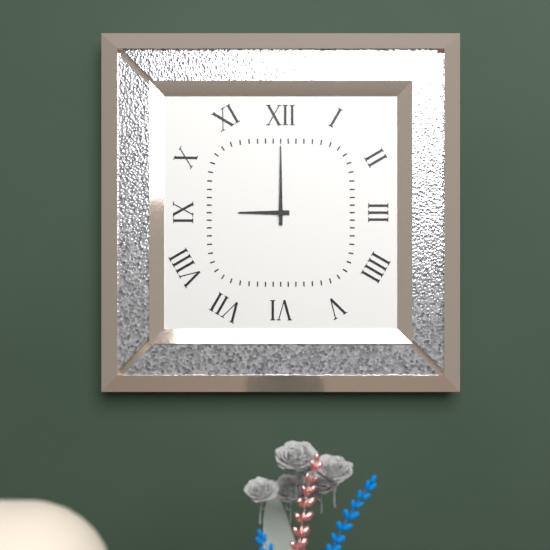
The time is 9:00
